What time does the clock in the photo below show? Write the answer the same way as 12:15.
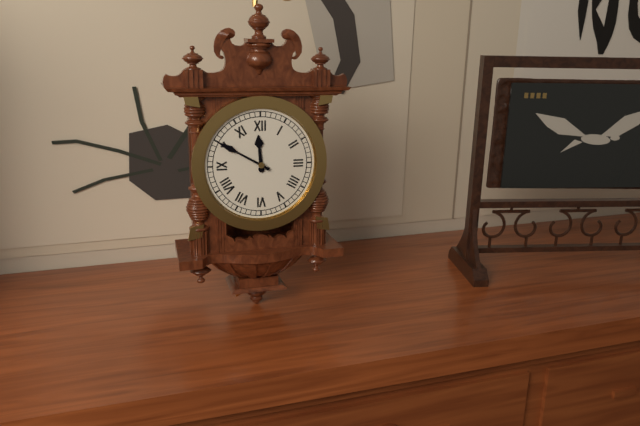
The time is 11:50
